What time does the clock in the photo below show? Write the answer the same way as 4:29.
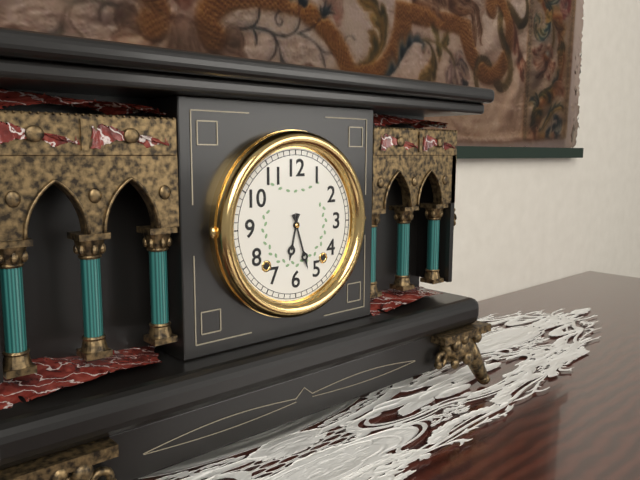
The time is 6:27
